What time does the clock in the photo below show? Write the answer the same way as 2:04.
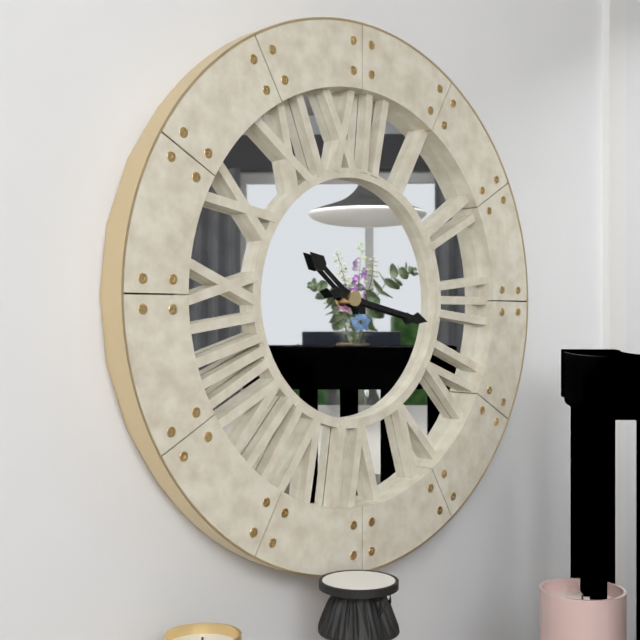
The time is 10:17
